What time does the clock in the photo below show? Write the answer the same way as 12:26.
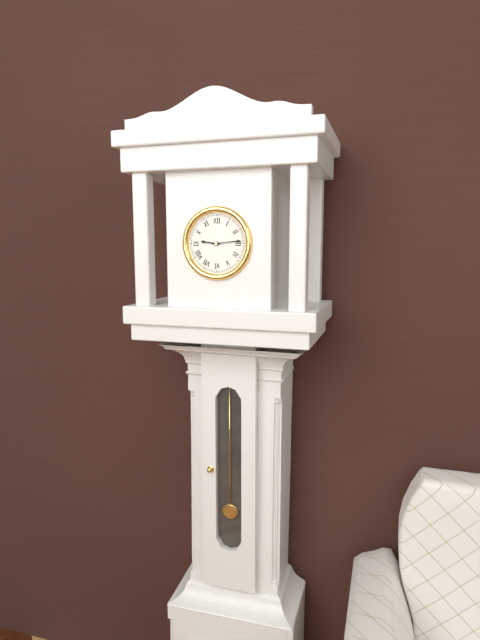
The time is 9:14
